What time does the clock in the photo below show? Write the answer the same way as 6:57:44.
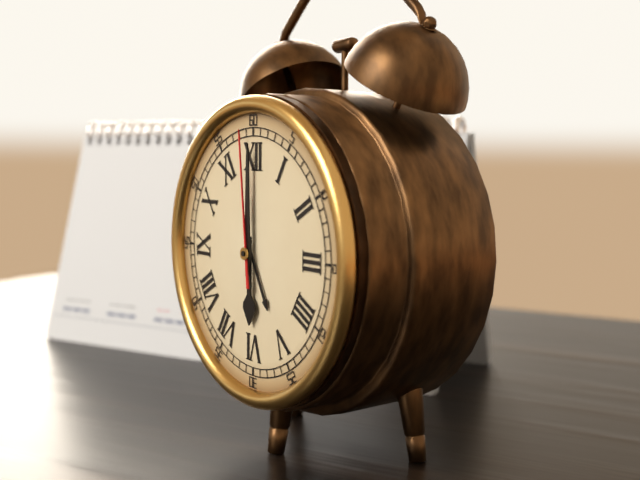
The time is 6:00:59
